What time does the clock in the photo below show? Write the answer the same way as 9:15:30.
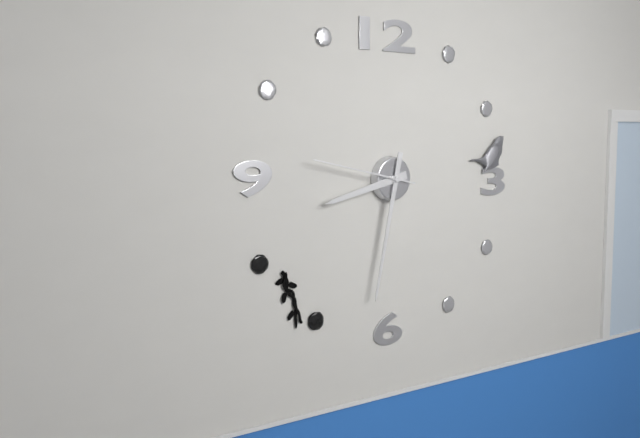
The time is 8:32:47
